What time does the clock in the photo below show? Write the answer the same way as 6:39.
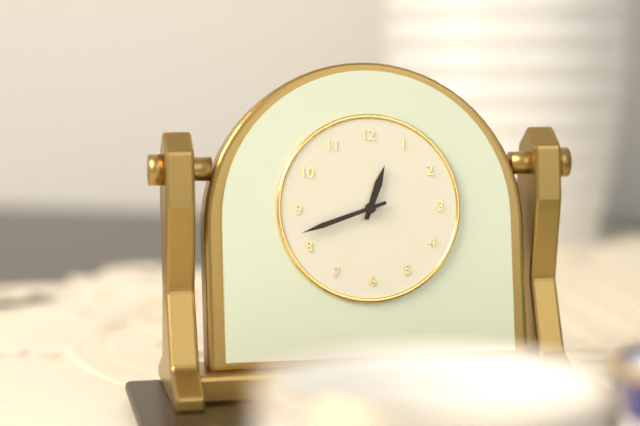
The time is 12:42
